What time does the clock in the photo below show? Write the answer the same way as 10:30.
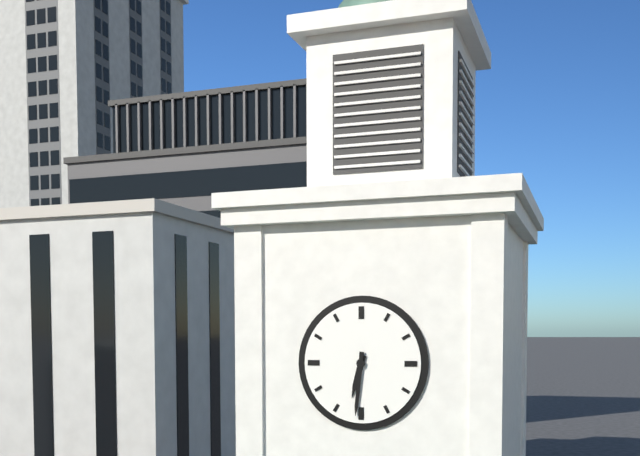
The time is 6:31
